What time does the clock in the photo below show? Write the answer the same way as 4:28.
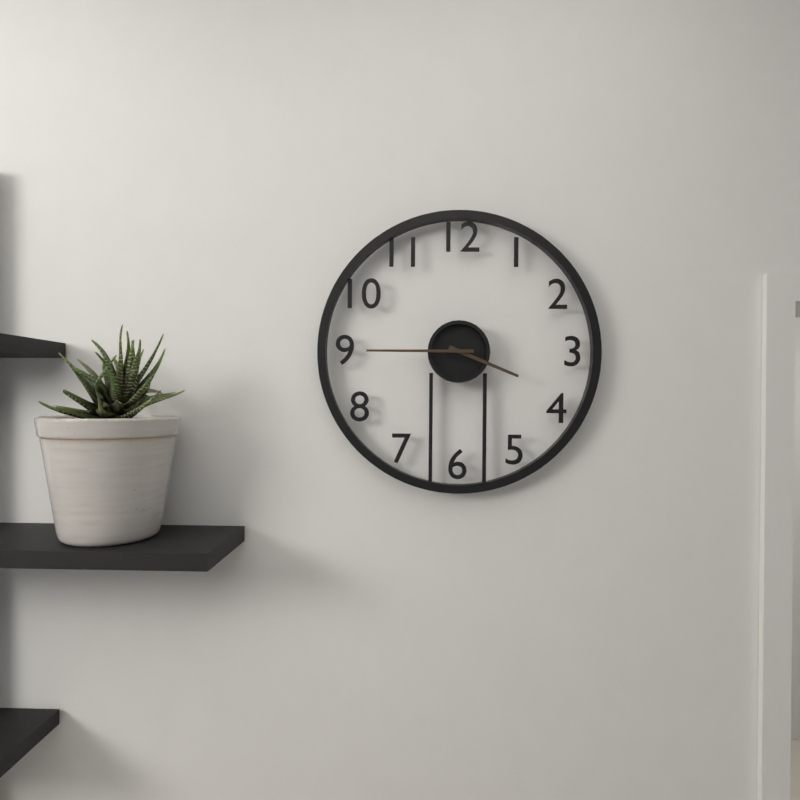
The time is 3:45
